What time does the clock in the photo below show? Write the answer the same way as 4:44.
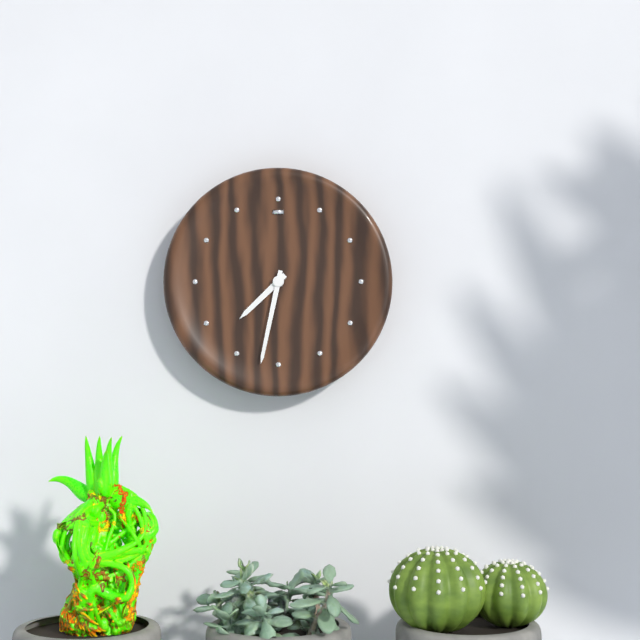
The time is 7:32
